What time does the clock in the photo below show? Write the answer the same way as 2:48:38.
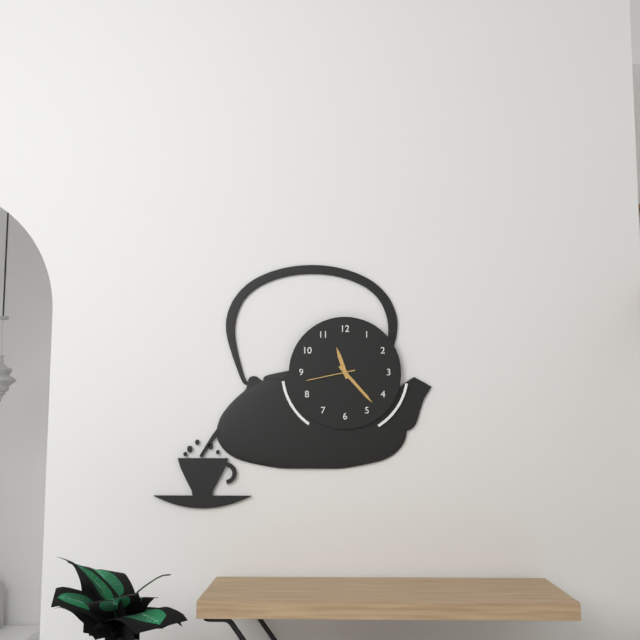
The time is 11:23:43
